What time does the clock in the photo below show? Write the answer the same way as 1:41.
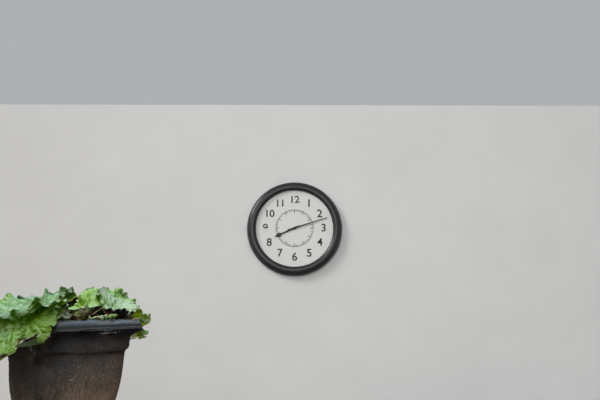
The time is 8:12
